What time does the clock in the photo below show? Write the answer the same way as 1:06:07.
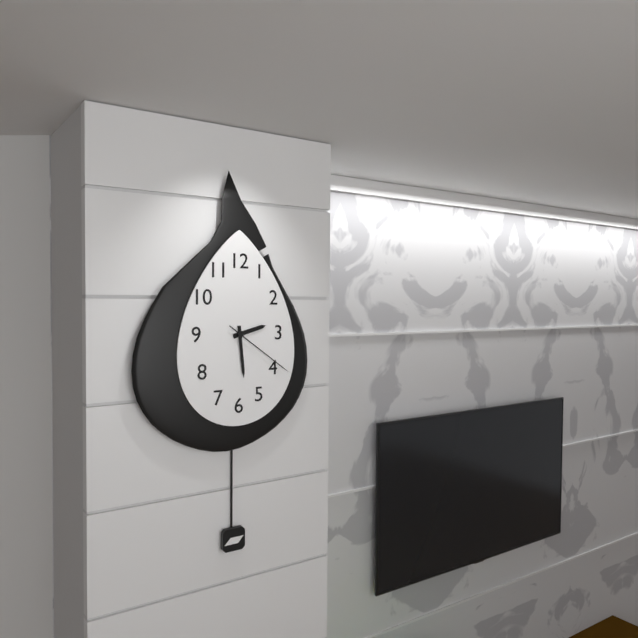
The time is 2:29:21
